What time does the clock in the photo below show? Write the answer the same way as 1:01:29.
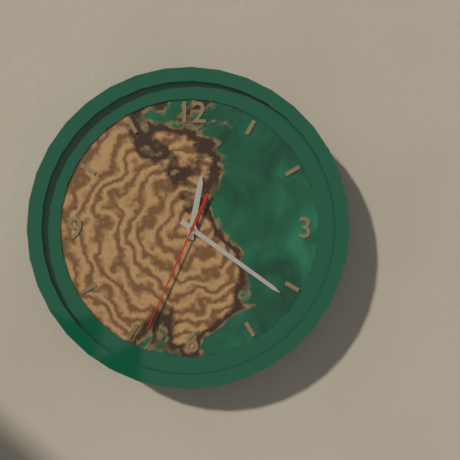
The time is 12:21:34
